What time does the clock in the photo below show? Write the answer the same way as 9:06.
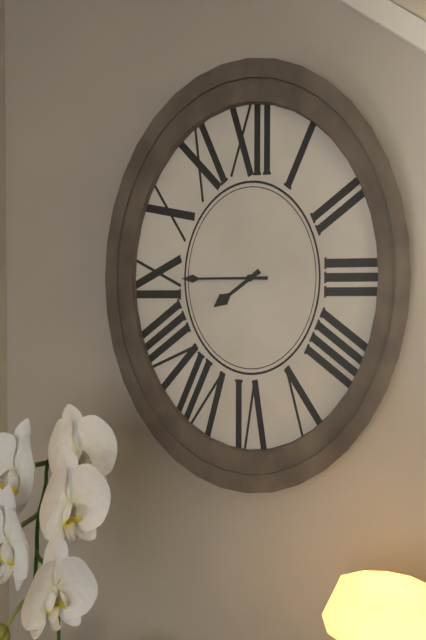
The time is 7:45
